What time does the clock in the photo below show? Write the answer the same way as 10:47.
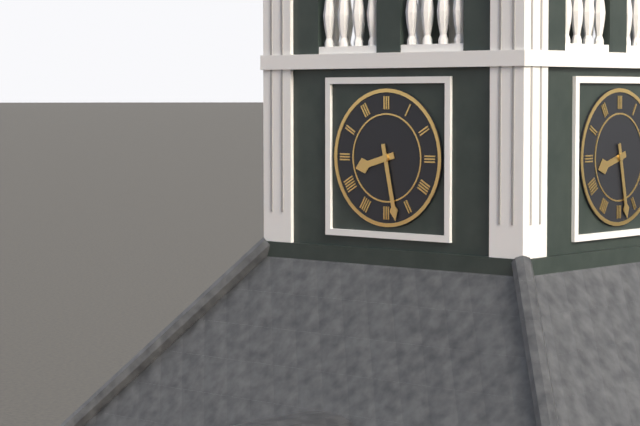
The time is 8:28
